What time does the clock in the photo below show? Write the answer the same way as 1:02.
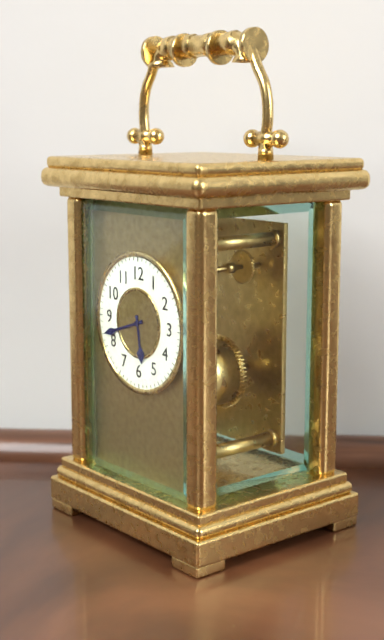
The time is 5:42
